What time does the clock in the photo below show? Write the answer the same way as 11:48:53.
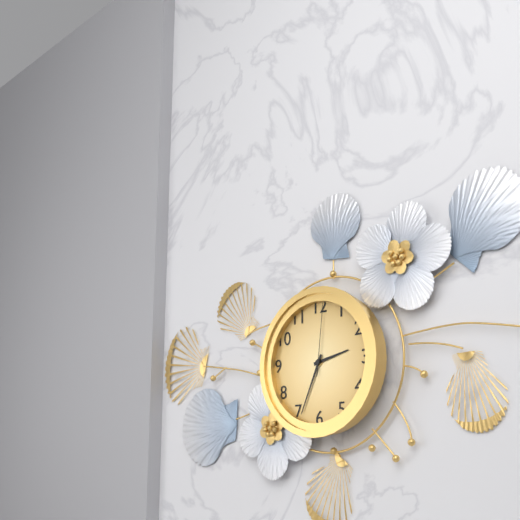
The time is 2:34:01
